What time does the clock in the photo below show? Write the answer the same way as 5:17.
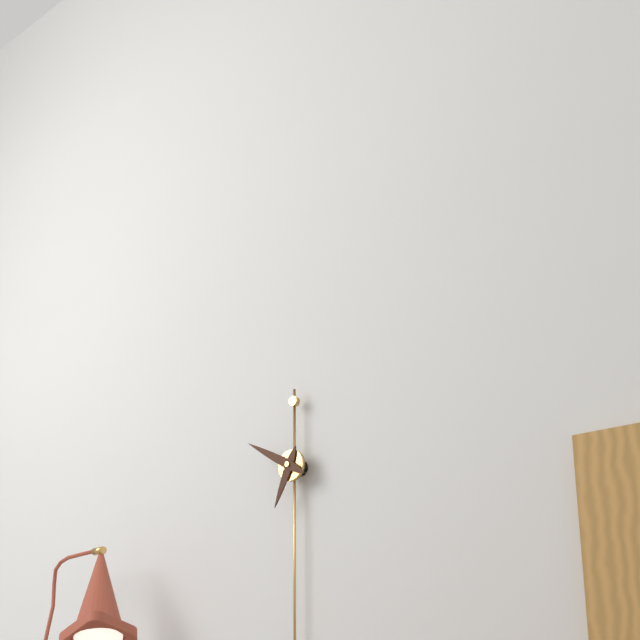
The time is 6:50
